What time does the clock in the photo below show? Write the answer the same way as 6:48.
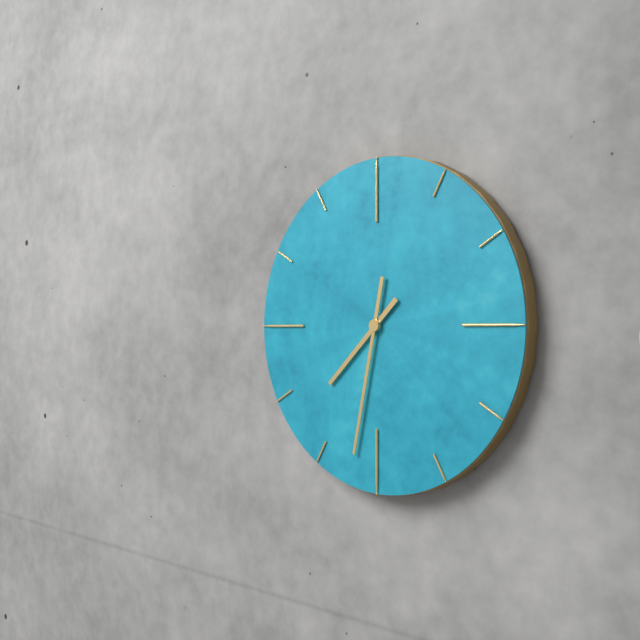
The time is 7:32
